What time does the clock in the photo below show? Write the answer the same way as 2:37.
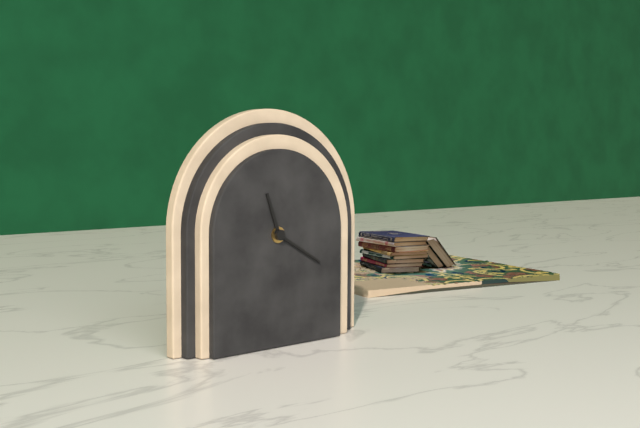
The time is 11:20
